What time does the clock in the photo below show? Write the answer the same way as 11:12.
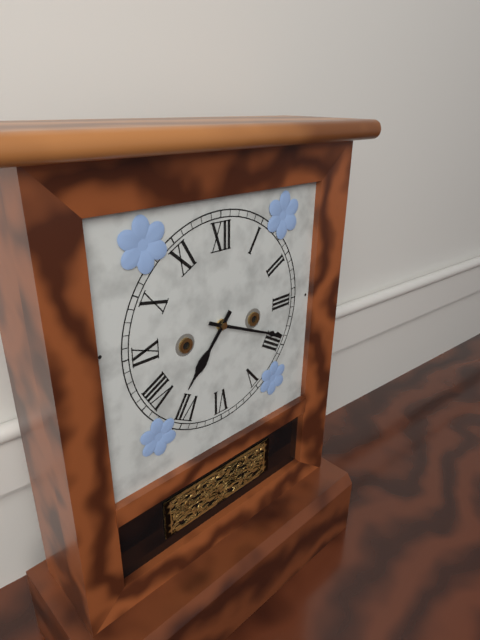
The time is 7:19
